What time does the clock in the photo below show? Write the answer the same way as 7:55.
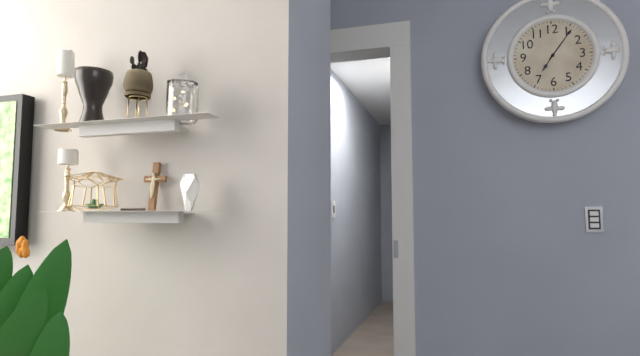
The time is 7:06
